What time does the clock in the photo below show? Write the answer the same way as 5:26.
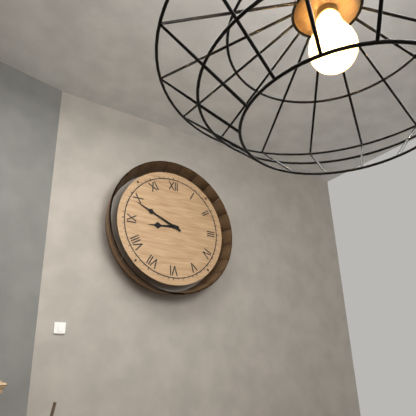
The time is 8:49
